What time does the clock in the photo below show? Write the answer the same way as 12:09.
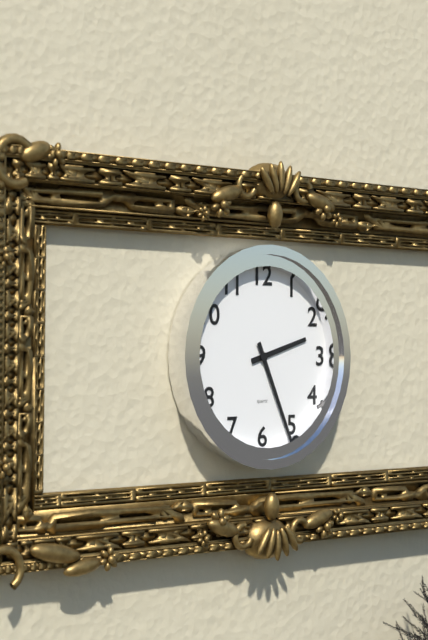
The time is 2:26
